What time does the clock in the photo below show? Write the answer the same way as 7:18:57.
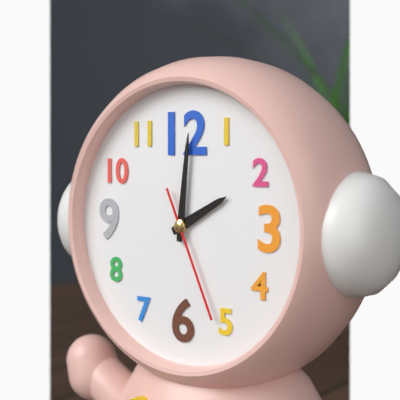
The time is 2:01:26
